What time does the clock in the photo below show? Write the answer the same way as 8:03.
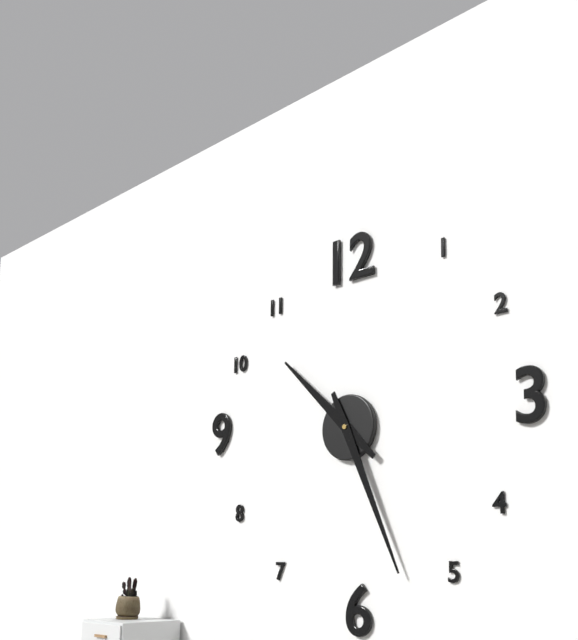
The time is 10:26
